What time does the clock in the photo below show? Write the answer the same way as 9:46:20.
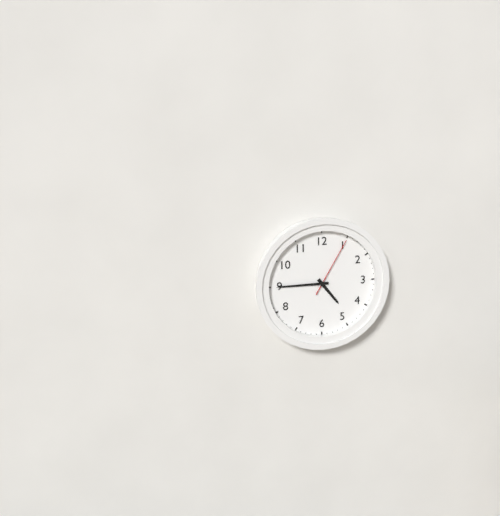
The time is 4:45:05
